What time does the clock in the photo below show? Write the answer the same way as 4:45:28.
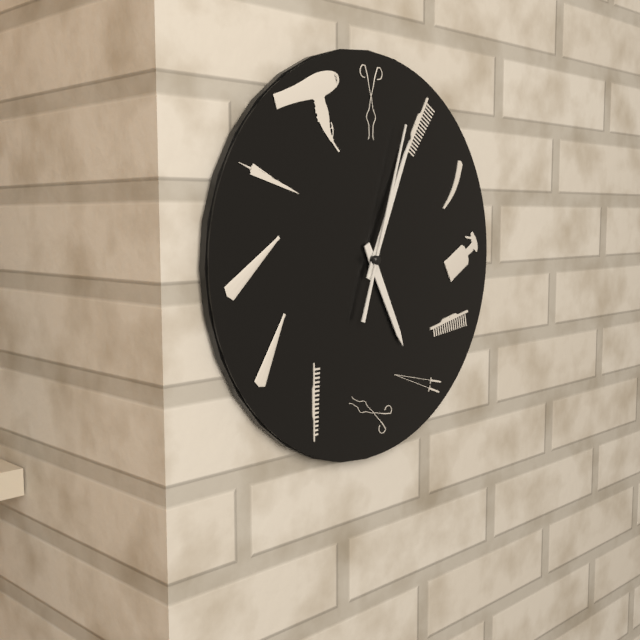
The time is 5:04:03
